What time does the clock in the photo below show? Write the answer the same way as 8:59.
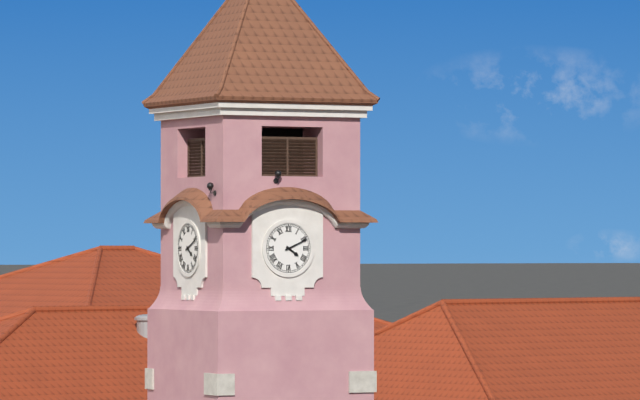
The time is 4:11
